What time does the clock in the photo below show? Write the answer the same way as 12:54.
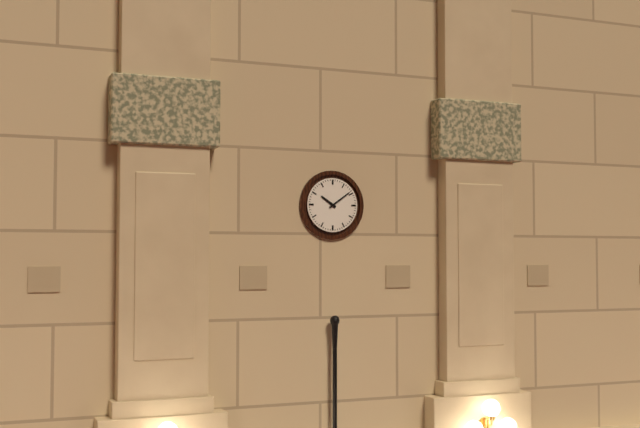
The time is 10:09
